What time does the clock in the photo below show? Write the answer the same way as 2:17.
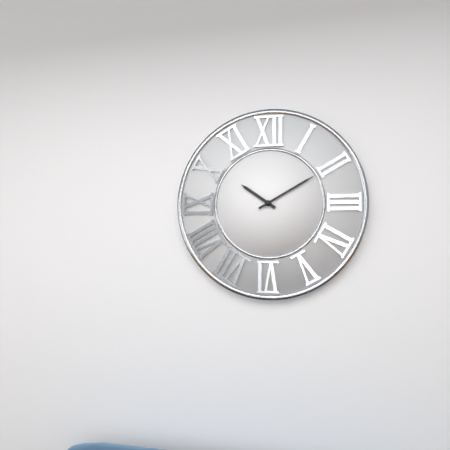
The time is 10:10
